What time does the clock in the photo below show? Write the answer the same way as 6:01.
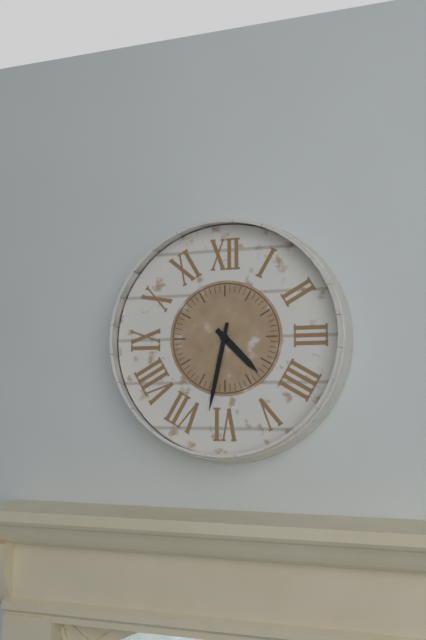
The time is 4:32
